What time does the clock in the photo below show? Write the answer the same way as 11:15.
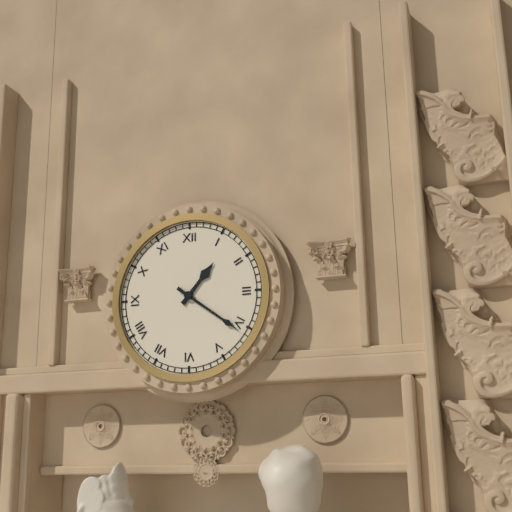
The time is 1:21
